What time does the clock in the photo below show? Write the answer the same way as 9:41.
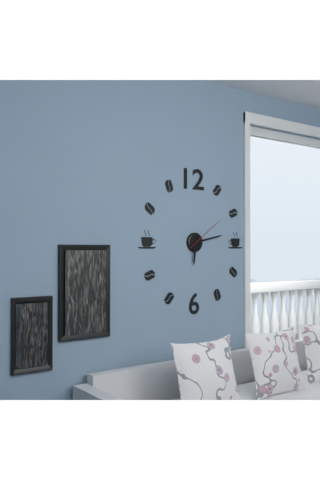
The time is 6:13
